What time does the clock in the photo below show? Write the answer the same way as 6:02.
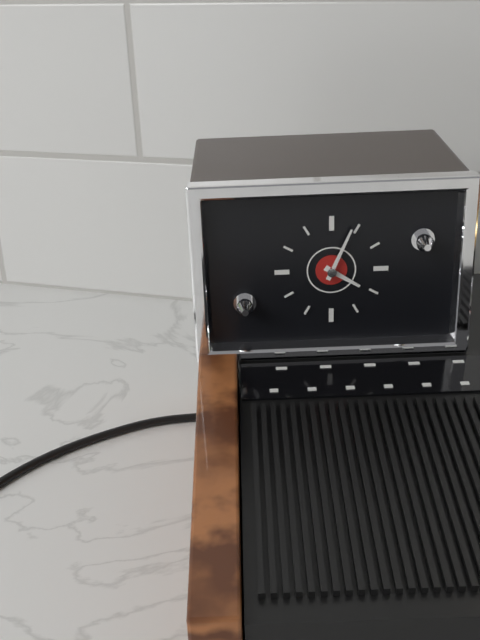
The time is 4:04
